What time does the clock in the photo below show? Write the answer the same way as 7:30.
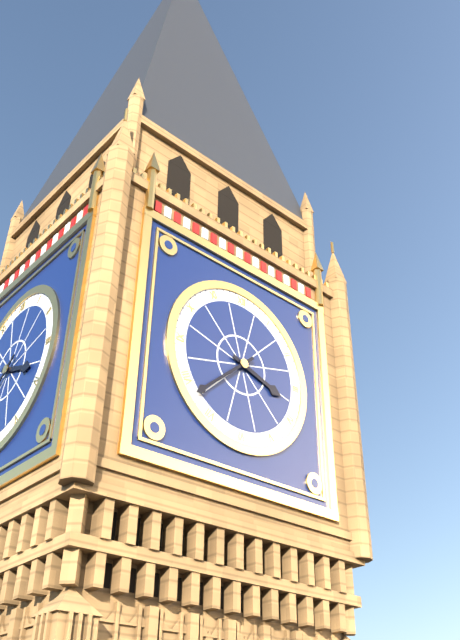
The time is 3:38
